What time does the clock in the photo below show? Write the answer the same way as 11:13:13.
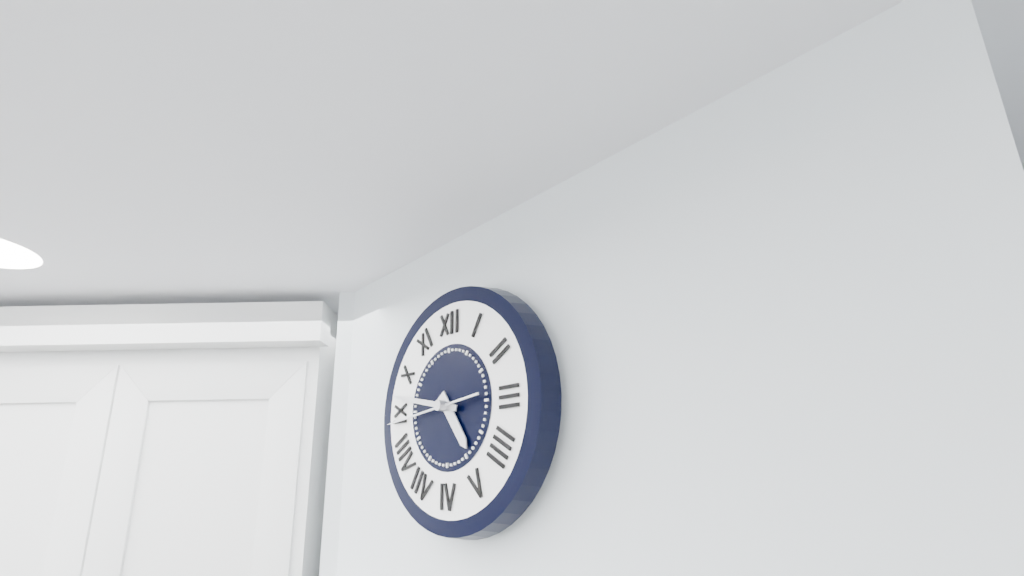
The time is 4:47:44
